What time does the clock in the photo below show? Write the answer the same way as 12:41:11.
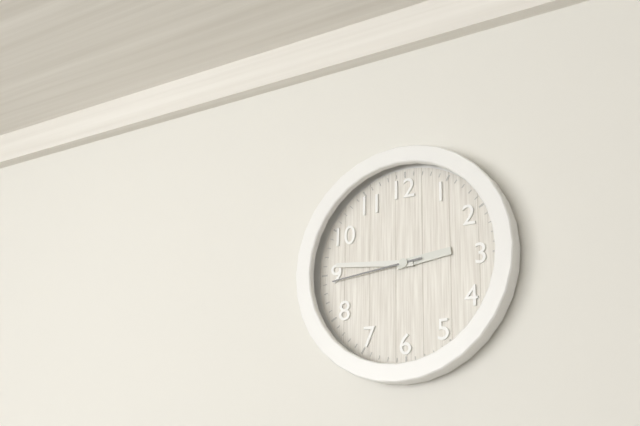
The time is 2:46:44
